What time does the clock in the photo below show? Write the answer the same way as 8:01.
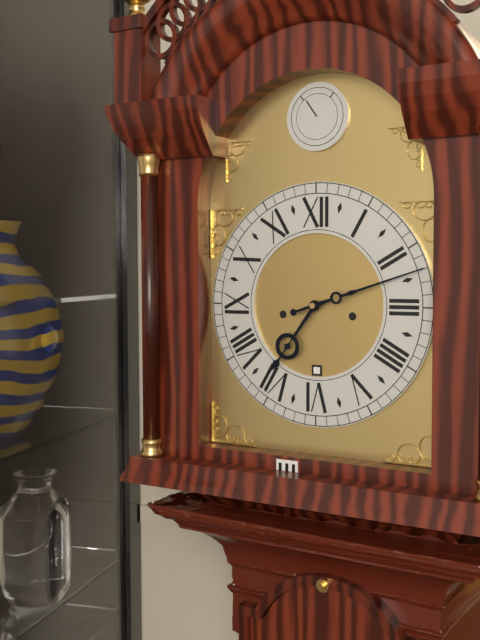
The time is 7:12
